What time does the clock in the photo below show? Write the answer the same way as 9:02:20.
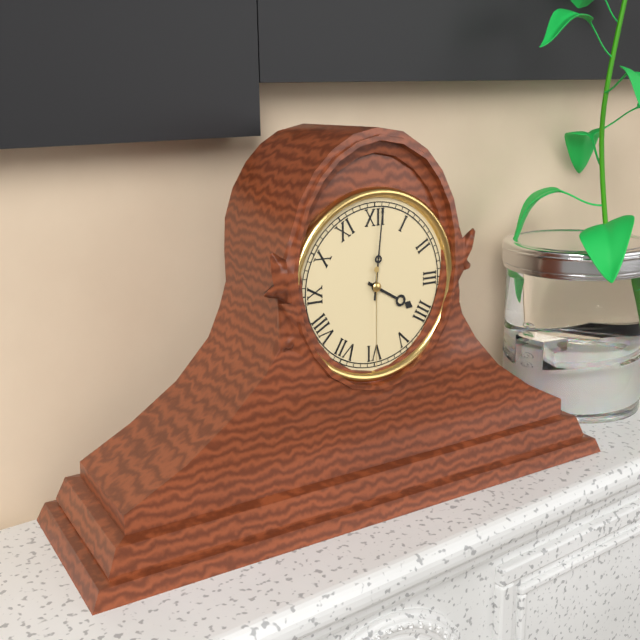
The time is 4:01:30
